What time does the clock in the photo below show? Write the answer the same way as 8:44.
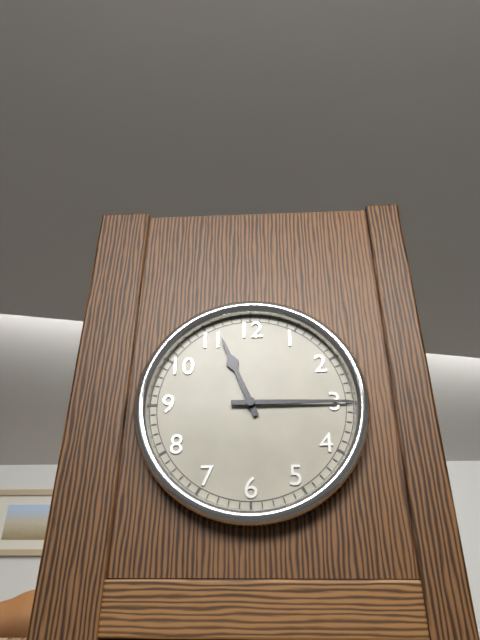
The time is 11:15
